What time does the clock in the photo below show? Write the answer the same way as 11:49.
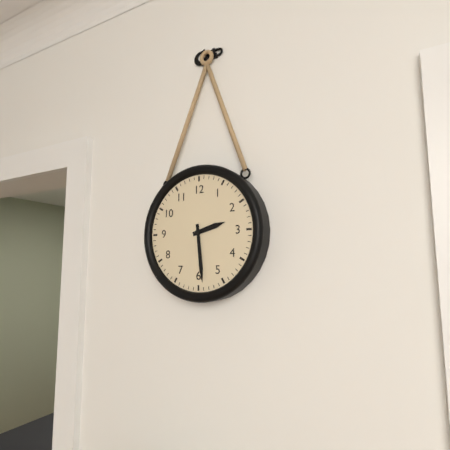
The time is 2:29
